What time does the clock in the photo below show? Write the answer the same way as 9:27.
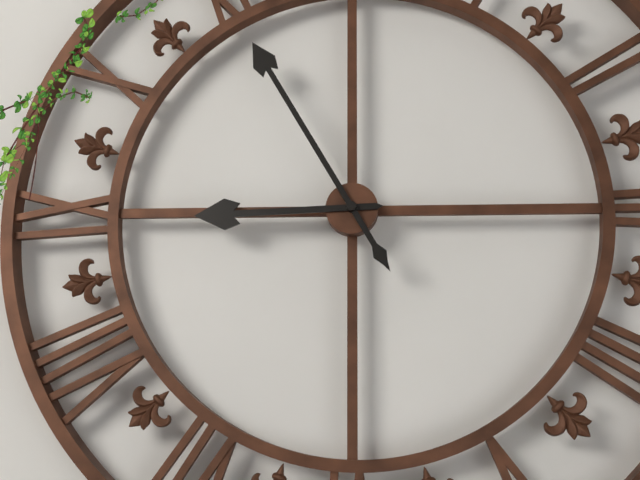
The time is 8:55
